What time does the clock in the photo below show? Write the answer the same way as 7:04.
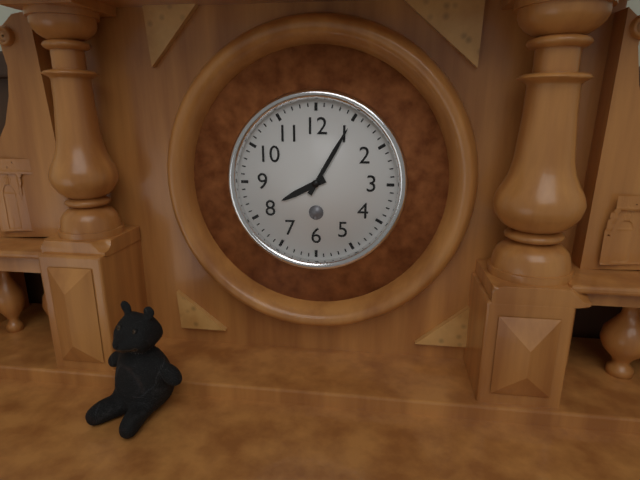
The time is 8:05
